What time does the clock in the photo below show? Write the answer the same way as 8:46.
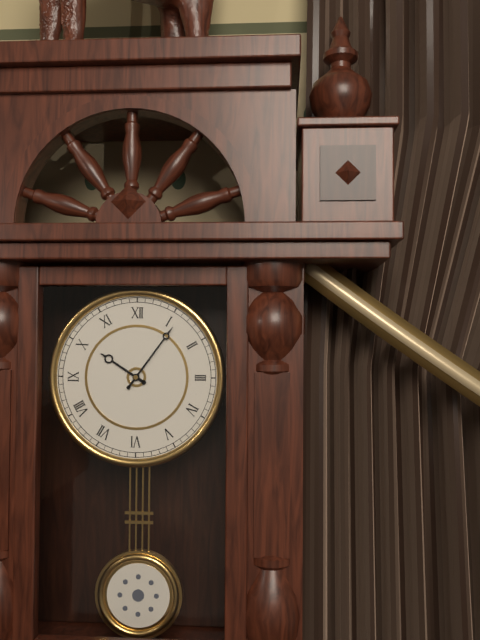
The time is 10:06
